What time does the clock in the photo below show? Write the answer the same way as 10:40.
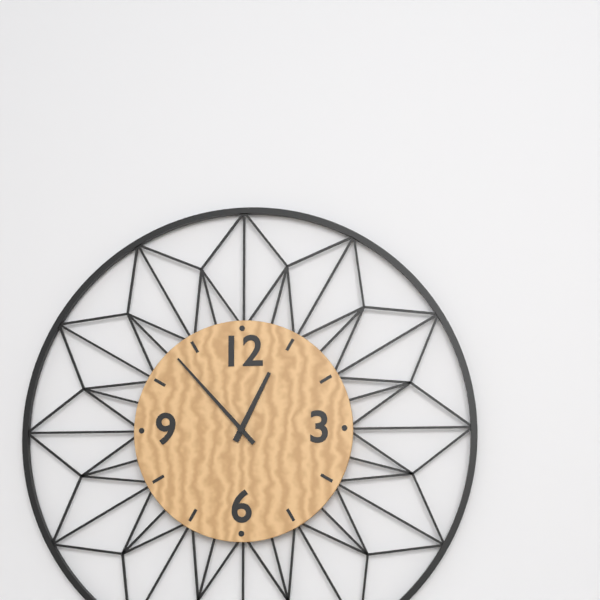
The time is 12:53
